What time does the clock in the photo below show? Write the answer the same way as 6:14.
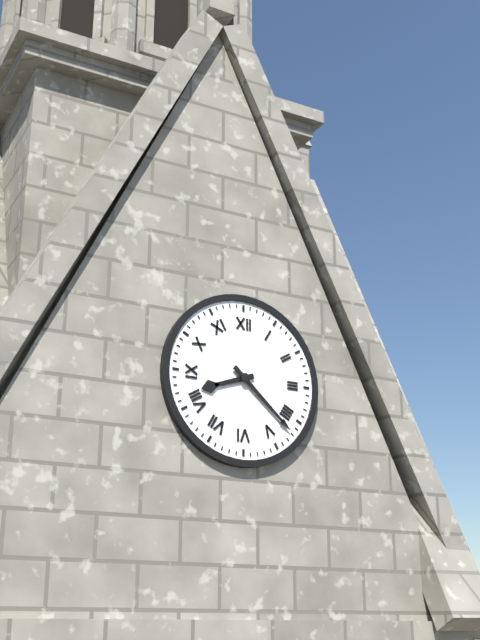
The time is 8:22
